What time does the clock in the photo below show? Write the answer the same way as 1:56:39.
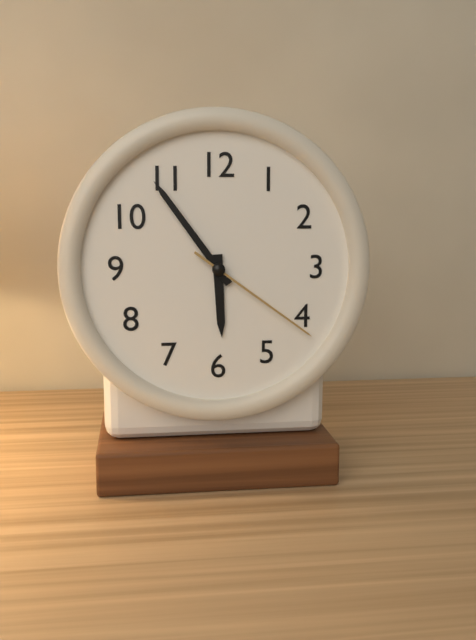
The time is 5:54:21
